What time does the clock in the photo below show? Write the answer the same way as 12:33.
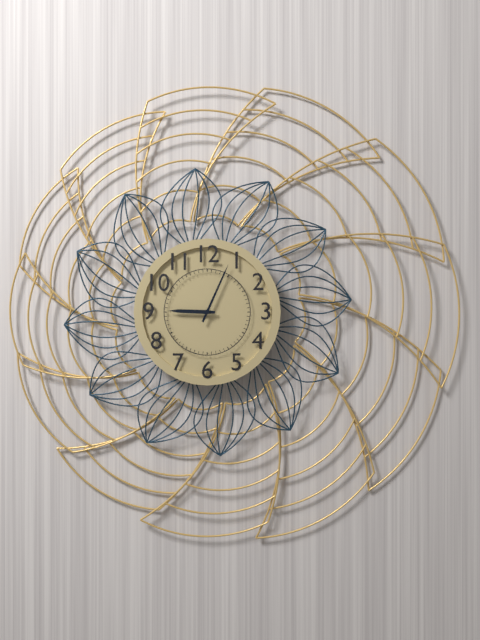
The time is 9:04
